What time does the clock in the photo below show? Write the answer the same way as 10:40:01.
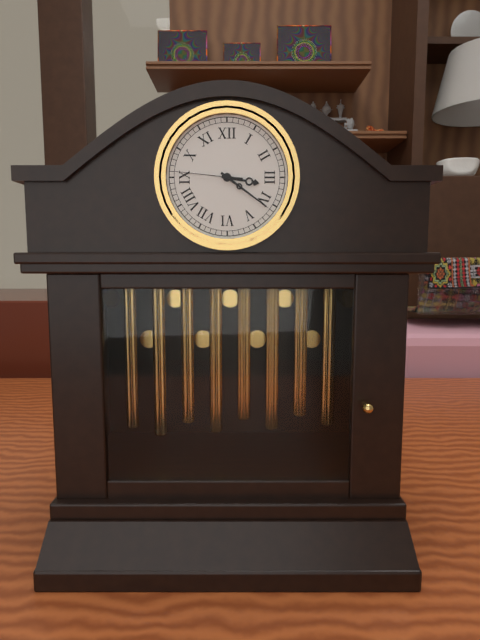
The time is 3:21:46
